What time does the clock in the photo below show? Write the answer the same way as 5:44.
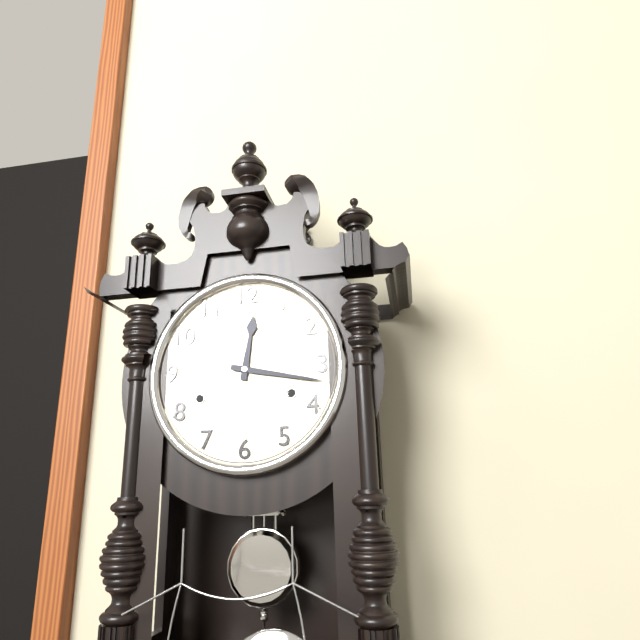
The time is 12:17
